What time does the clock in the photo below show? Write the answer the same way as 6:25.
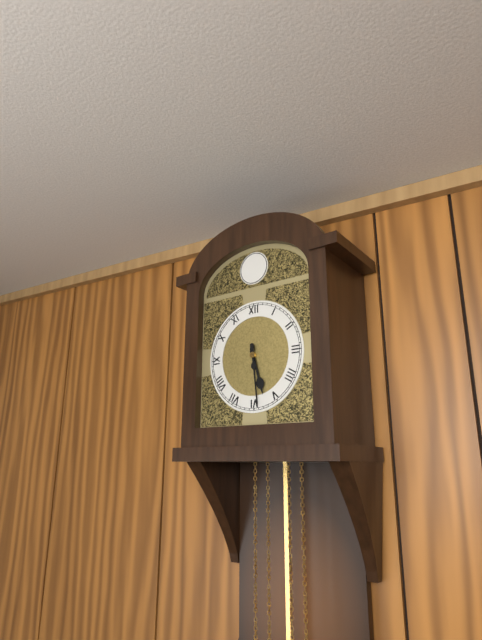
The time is 5:29
